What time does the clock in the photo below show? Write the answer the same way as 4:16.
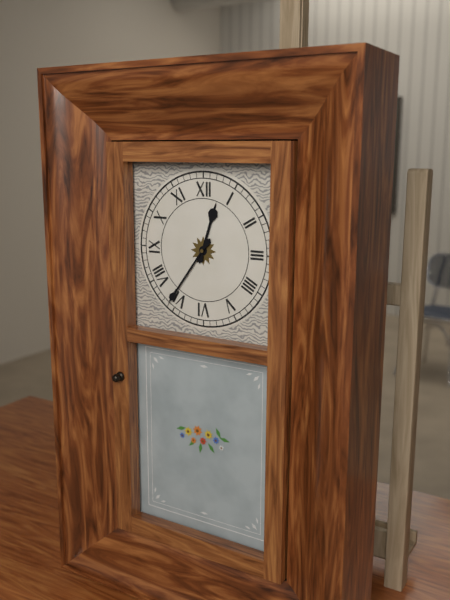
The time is 12:36
